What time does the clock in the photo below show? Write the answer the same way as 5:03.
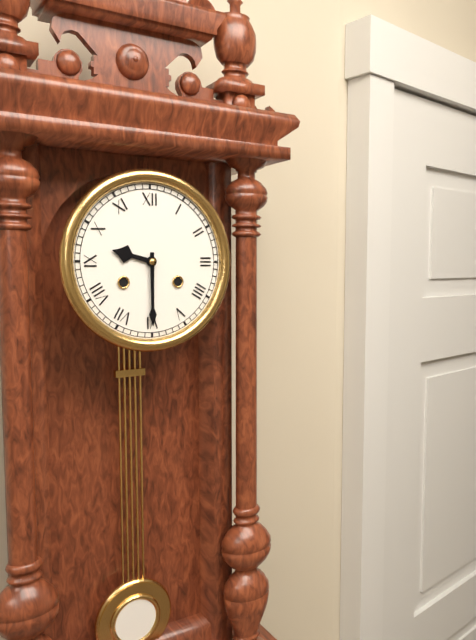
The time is 9:30
